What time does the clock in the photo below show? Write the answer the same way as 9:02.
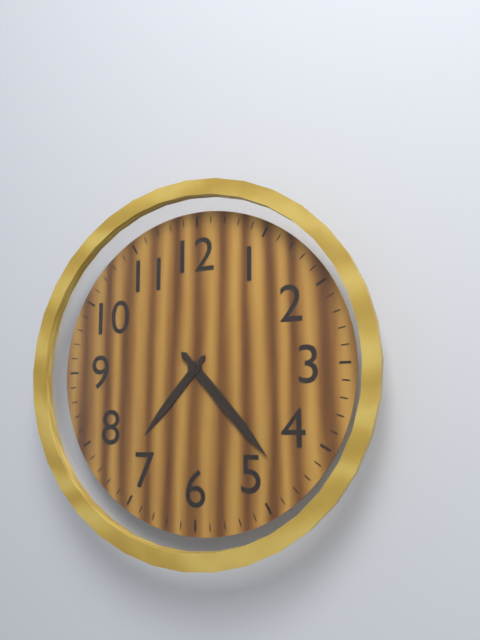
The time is 7:23
